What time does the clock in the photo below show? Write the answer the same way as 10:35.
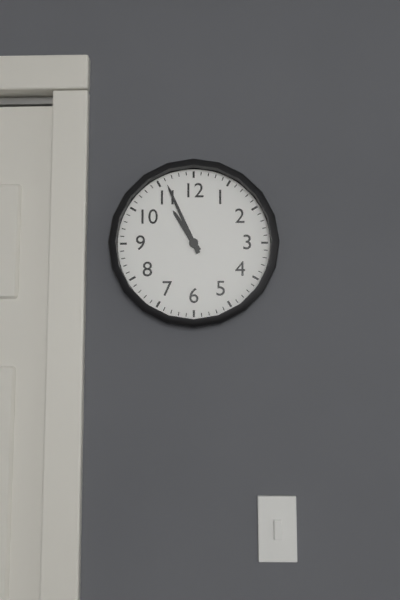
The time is 10:56
